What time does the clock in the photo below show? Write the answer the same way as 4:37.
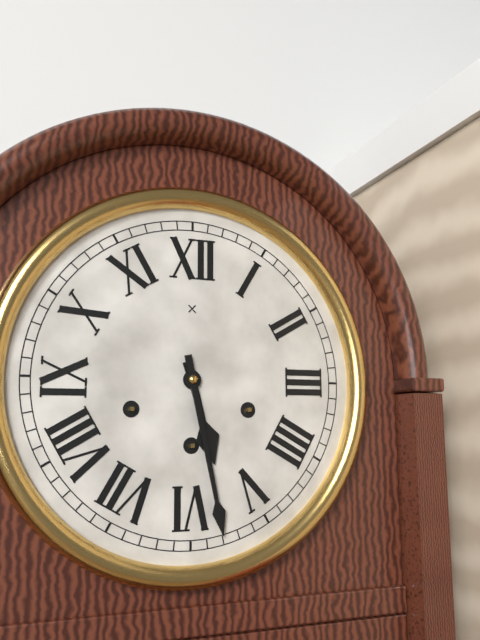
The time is 5:28
